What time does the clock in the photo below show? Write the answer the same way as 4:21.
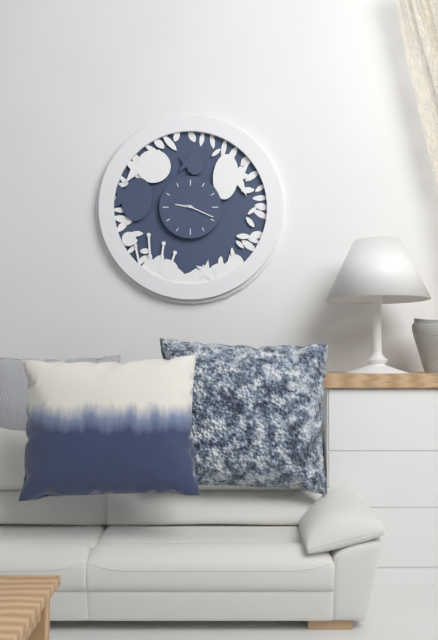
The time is 9:19
